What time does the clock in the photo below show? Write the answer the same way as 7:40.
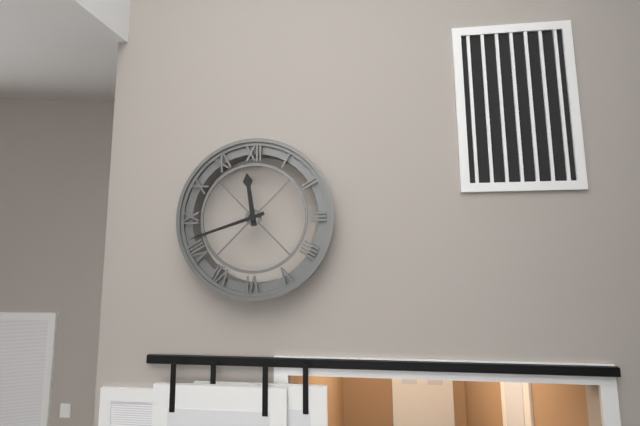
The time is 11:42
